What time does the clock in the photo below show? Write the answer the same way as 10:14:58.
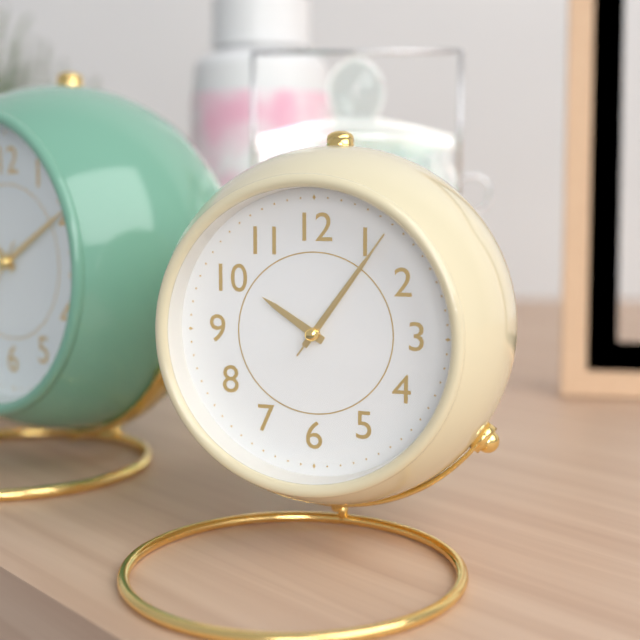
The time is 10:06:06
